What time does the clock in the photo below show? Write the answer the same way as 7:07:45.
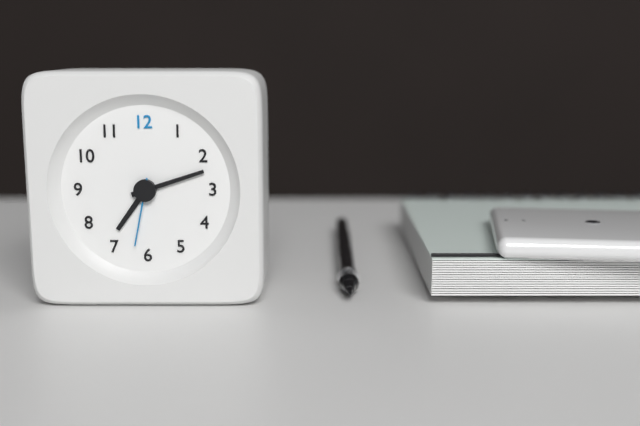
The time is 7:12:32
